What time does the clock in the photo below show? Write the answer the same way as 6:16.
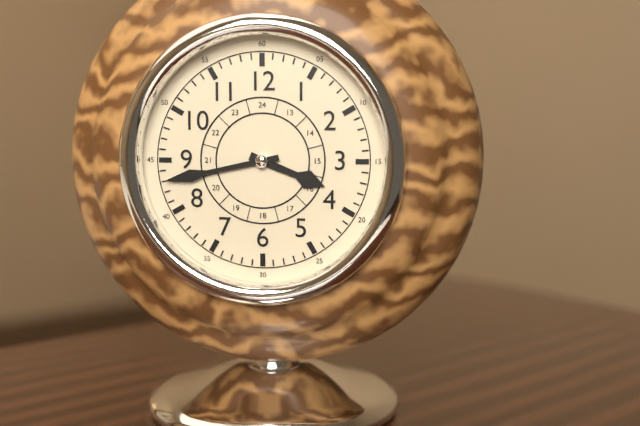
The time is 3:43
